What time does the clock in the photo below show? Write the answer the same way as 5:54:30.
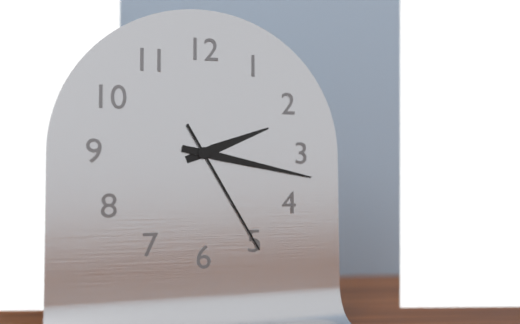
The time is 2:17:25
